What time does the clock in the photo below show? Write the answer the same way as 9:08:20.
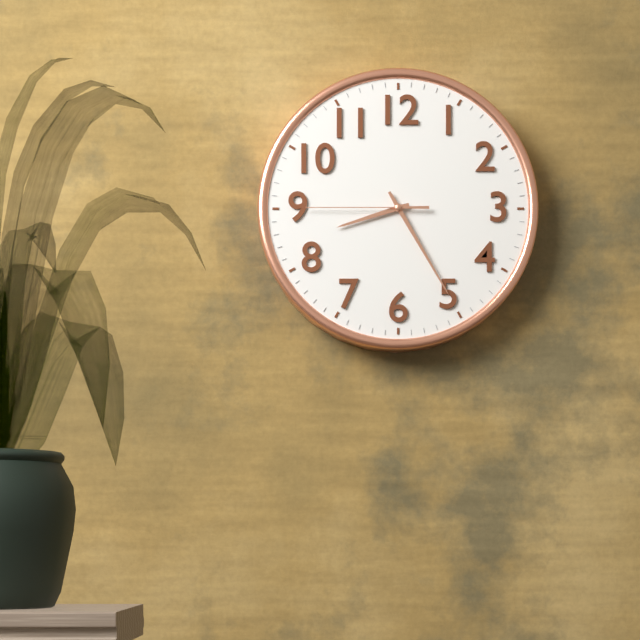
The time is 8:25:45
